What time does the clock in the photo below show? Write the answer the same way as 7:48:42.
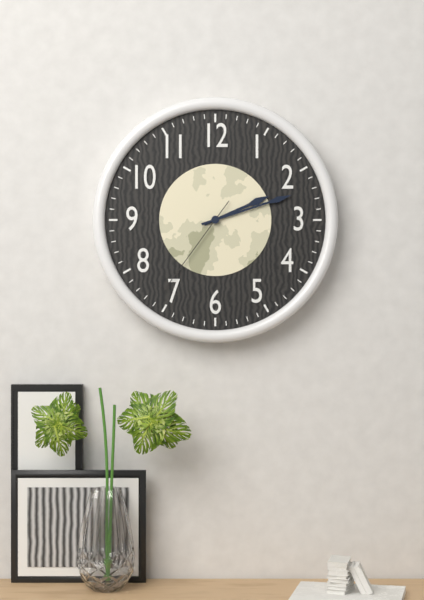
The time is 2:12:36
